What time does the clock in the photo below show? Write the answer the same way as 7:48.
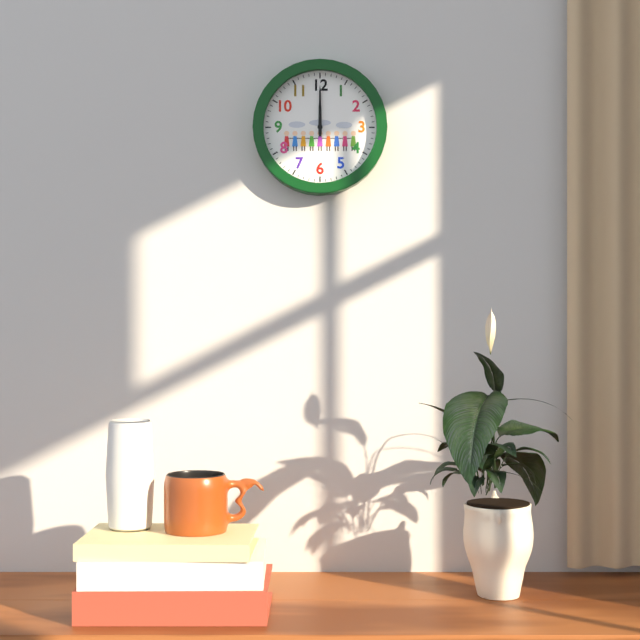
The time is 12:00
